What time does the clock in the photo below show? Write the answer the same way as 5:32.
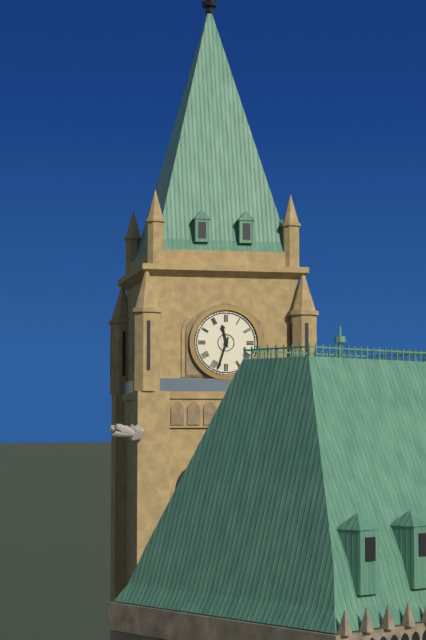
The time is 11:33
